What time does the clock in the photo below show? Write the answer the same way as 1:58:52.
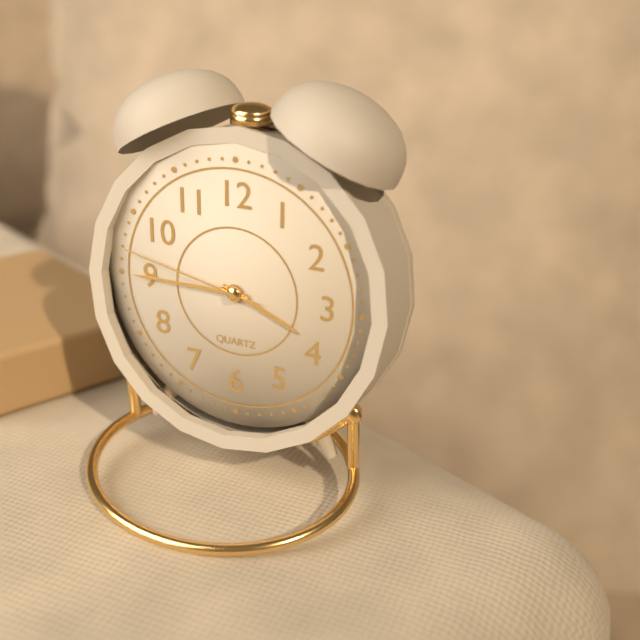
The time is 3:45:47
